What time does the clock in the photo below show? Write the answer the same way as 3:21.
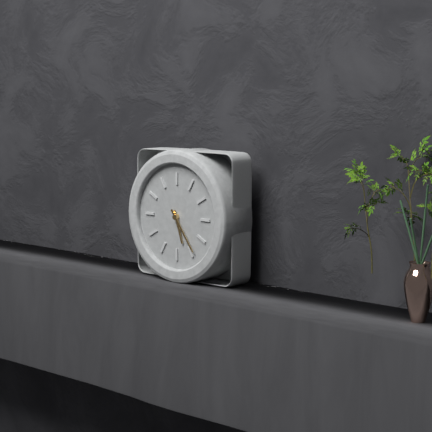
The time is 5:24
